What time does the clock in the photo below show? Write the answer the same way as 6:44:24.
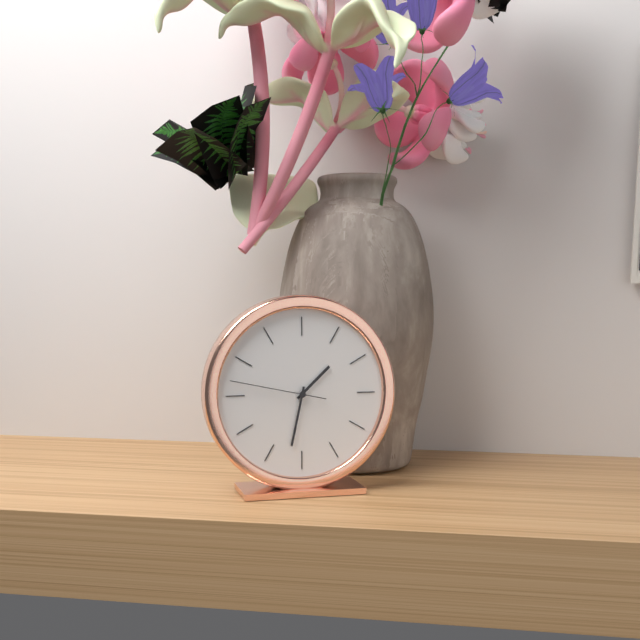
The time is 1:32:47
